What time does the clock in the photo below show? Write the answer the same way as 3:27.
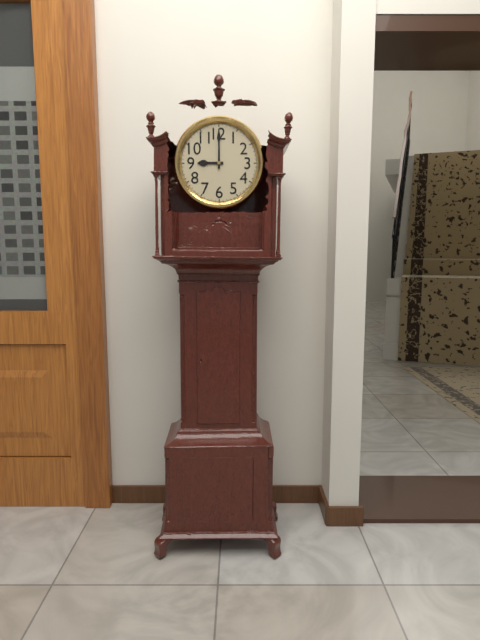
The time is 9:00
